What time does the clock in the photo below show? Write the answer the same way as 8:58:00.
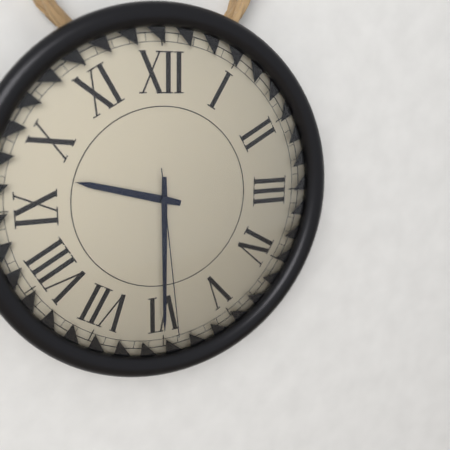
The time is 9:30:29
